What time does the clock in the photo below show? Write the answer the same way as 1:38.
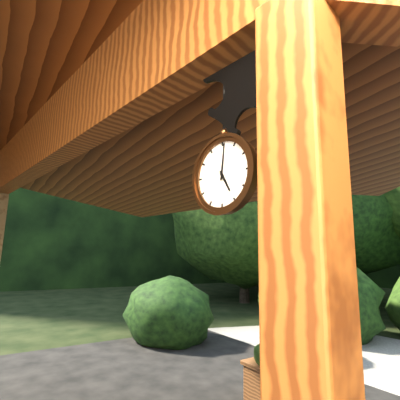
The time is 5:01
